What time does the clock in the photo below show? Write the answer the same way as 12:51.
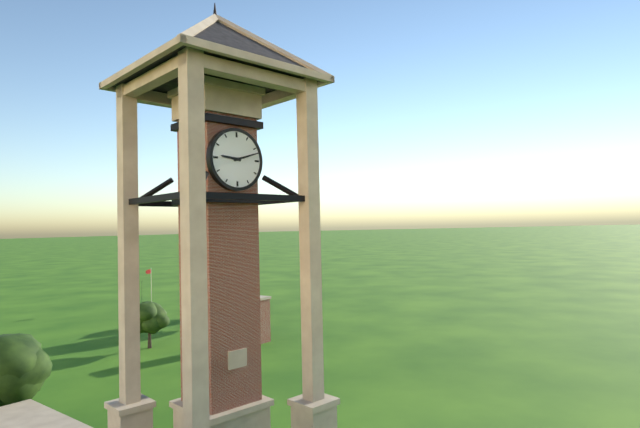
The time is 9:12
